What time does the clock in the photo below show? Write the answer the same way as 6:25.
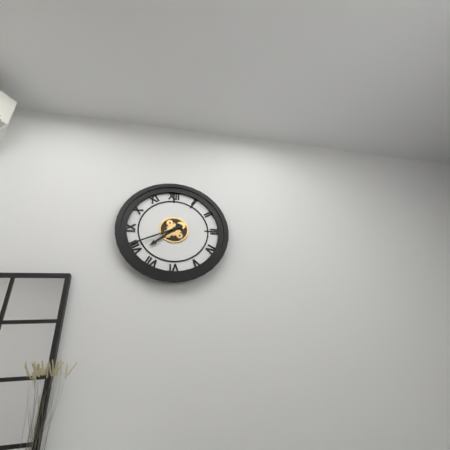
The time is 7:41
